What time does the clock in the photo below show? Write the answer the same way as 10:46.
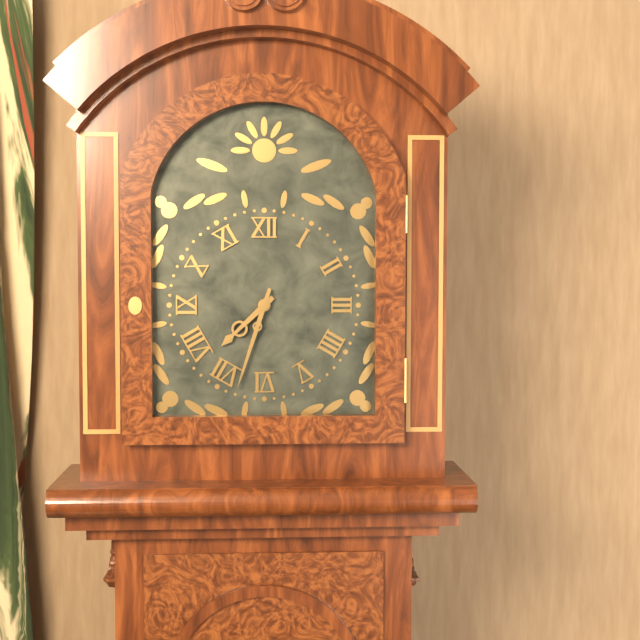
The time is 7:33
